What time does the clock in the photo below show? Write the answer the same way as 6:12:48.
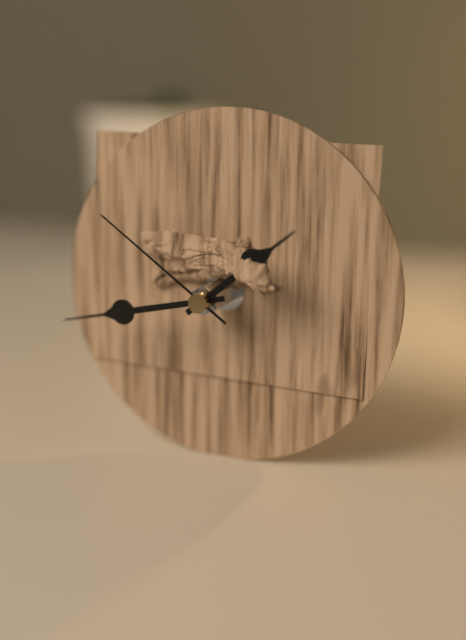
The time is 1:43:51
